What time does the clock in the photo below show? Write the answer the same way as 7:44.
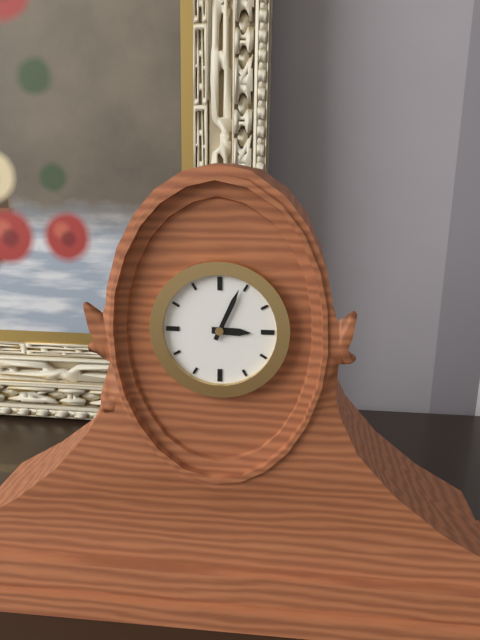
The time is 3:04
